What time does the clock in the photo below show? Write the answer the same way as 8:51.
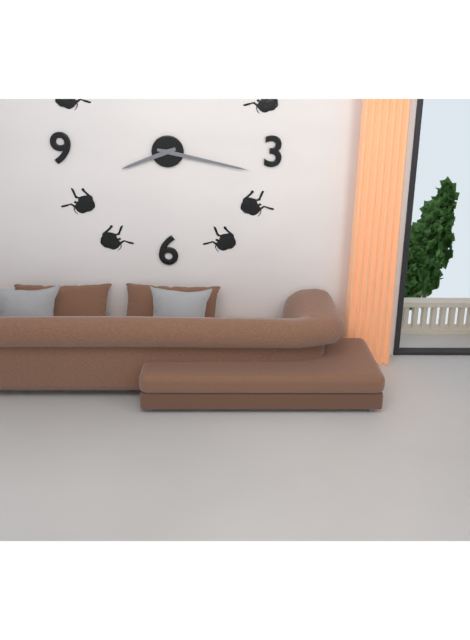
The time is 8:17
